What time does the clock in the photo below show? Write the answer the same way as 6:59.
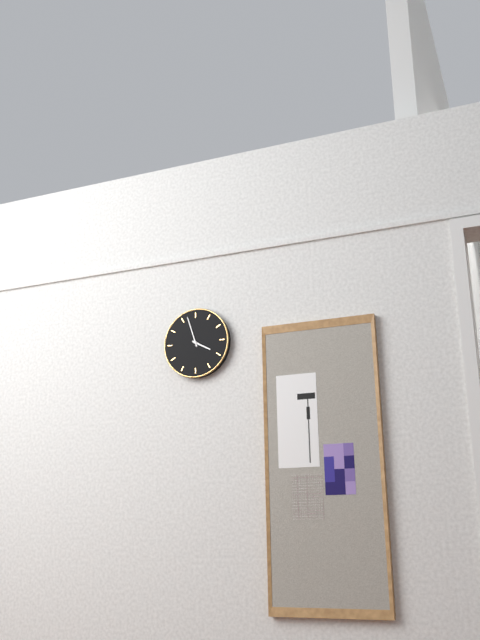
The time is 3:57
